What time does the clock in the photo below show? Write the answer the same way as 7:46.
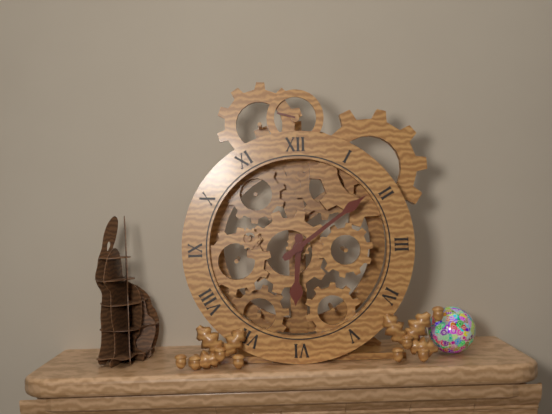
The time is 6:09
